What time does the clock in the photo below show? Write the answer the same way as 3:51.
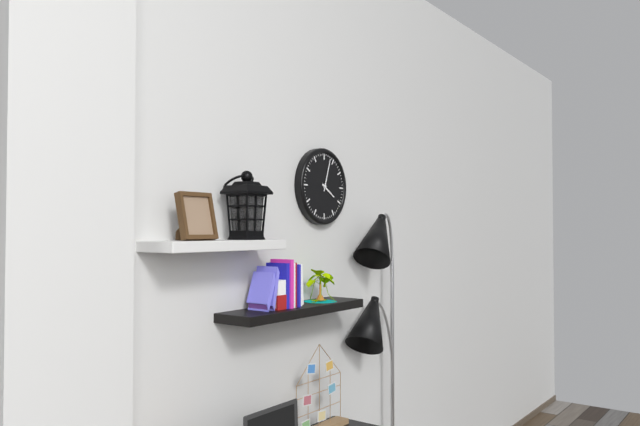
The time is 4:03
